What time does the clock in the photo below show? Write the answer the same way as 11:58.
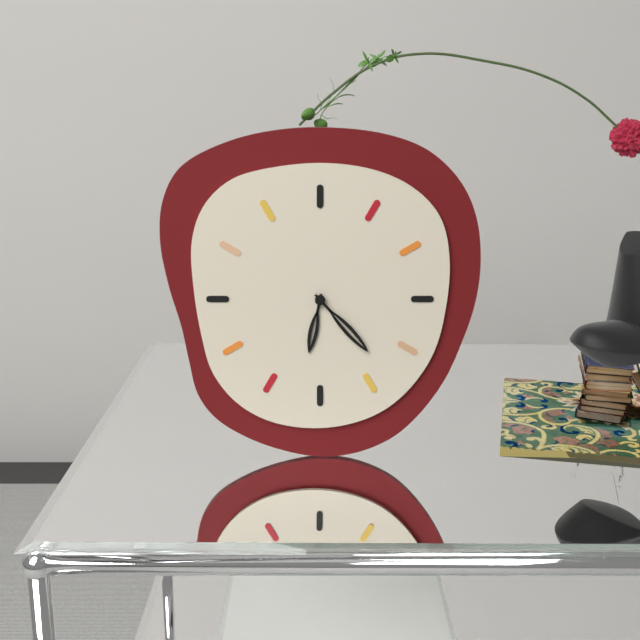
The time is 6:23
